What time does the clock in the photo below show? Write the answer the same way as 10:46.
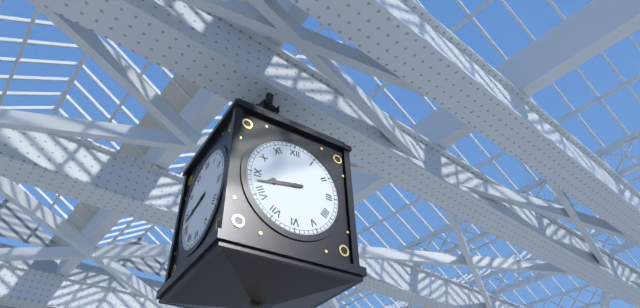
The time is 8:43
